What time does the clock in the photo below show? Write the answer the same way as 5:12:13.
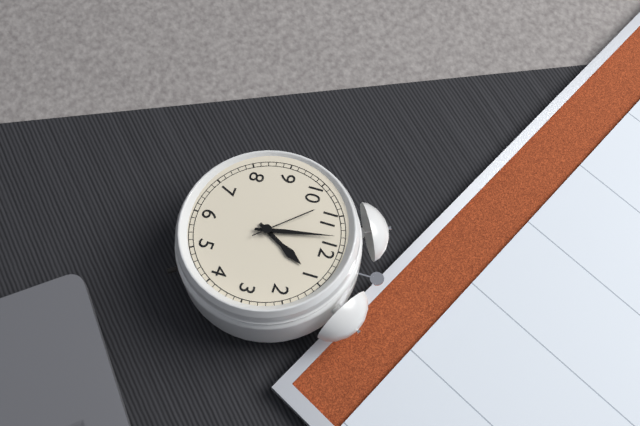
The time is 12:58:53
